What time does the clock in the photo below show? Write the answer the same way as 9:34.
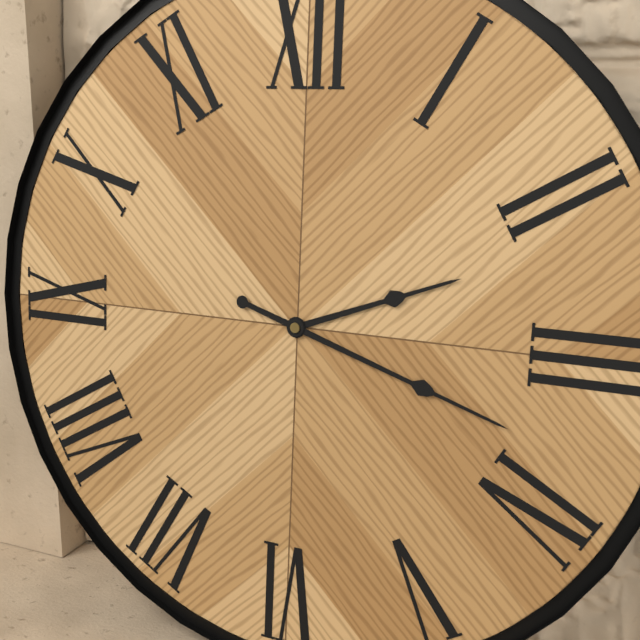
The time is 2:18
